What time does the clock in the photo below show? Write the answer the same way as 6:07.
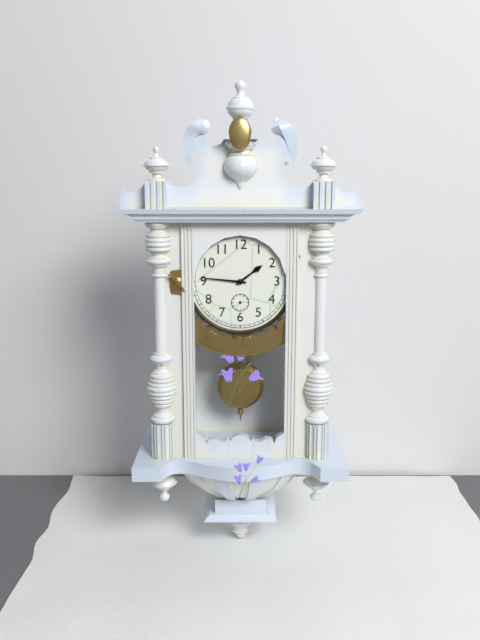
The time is 1:46
